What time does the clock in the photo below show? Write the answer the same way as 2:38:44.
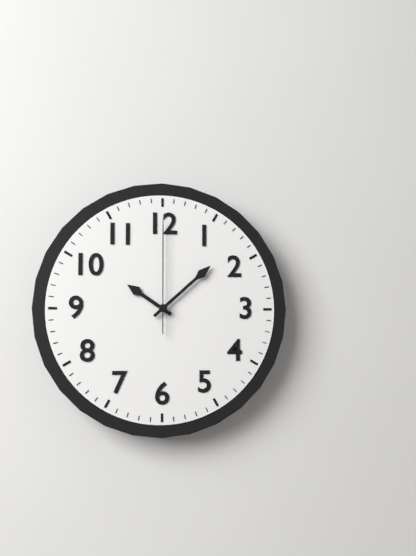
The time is 10:08:00
